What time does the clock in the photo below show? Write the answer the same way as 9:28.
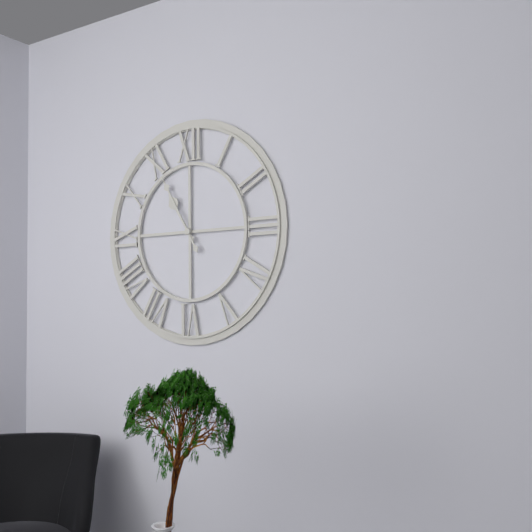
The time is 10:55
